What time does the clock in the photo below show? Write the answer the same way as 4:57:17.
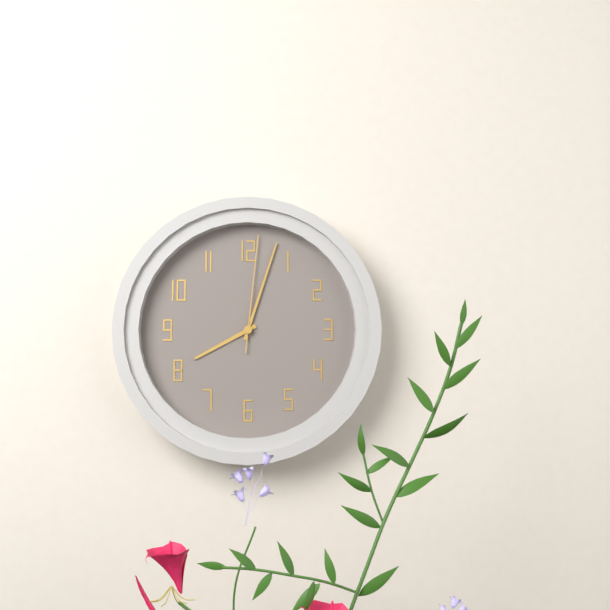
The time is 8:03:01
